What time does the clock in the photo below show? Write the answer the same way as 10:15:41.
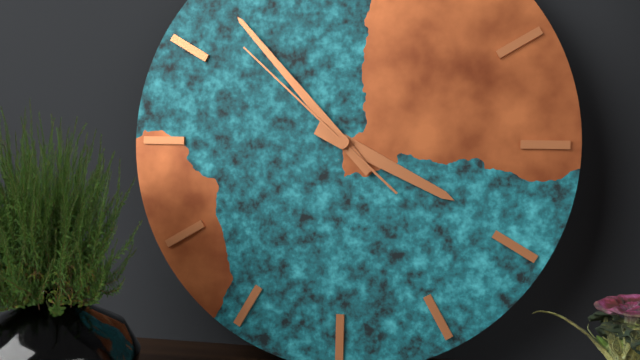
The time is 3:53:52
